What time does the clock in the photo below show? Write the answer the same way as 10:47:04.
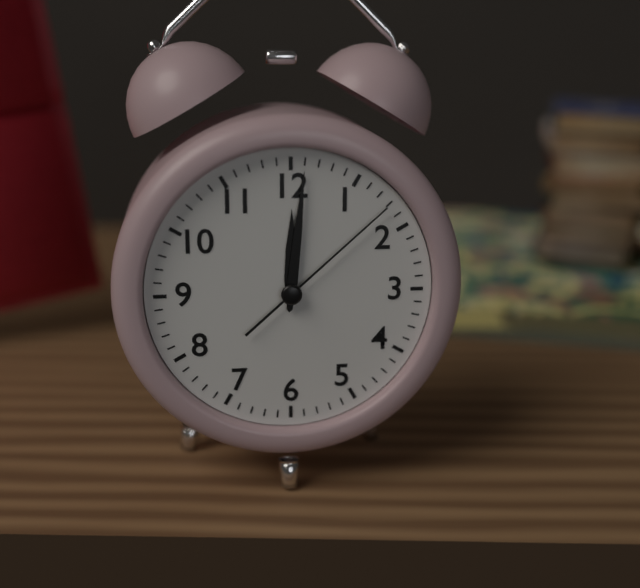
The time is 12:01:08
